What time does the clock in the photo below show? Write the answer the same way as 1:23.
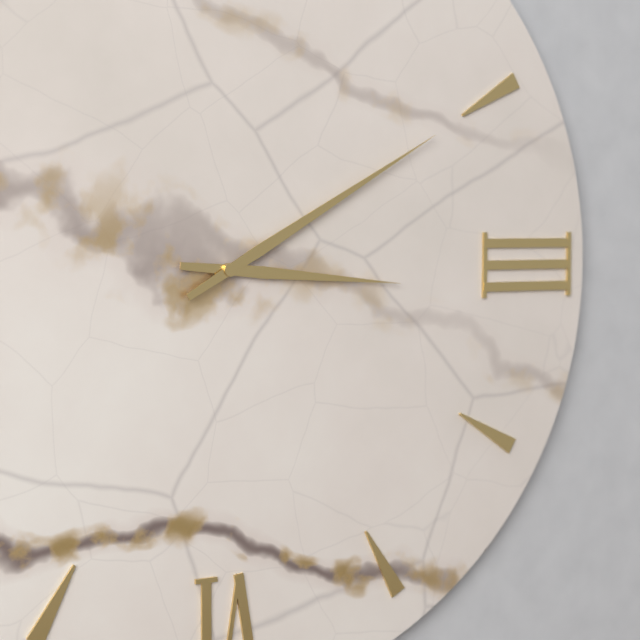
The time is 3:10
